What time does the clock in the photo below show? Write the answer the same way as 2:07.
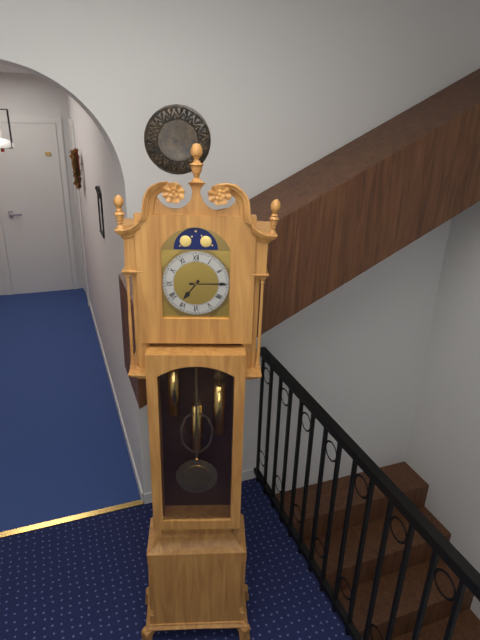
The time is 7:15
